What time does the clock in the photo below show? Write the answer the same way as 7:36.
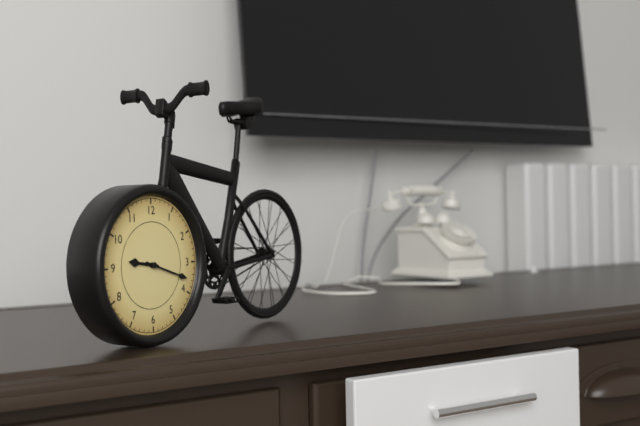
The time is 9:18
